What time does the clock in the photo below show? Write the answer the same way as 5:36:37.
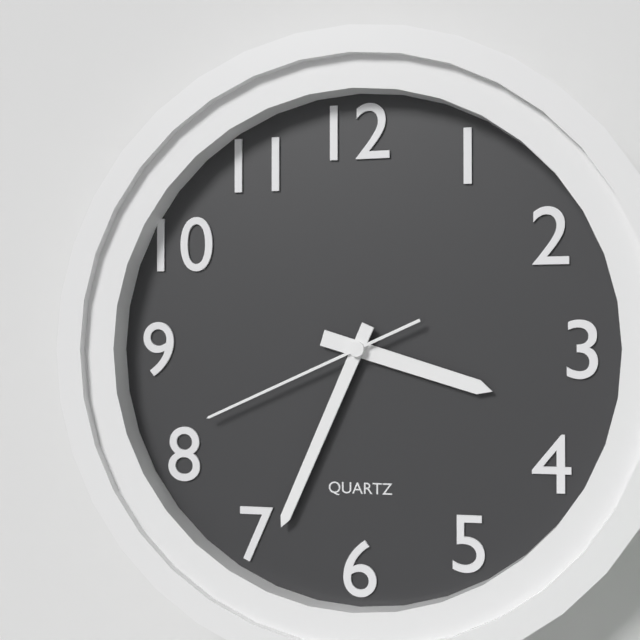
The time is 3:34:41
